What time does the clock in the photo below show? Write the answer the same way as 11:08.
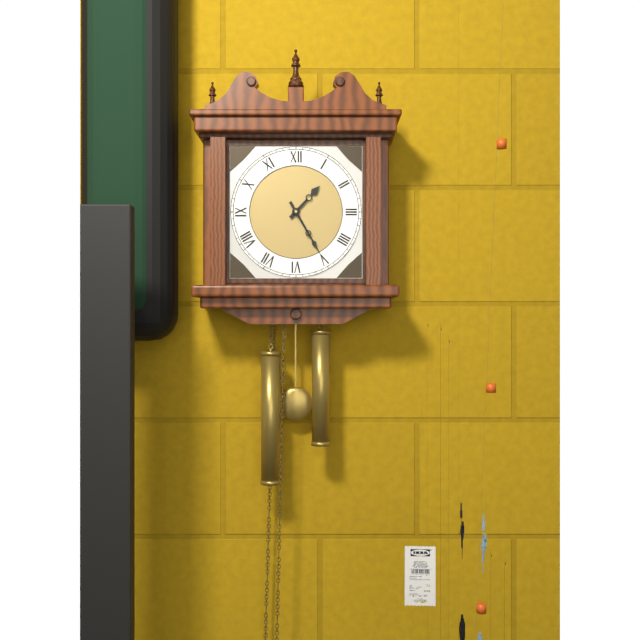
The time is 1:25
